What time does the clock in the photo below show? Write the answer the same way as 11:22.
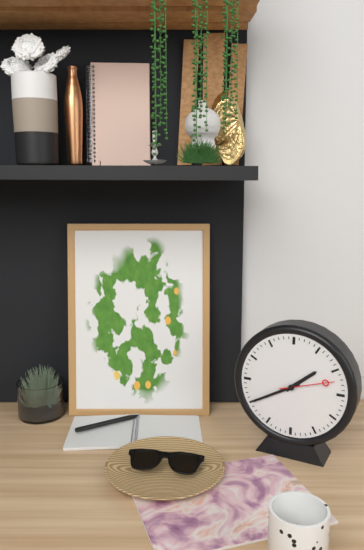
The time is 1:40
